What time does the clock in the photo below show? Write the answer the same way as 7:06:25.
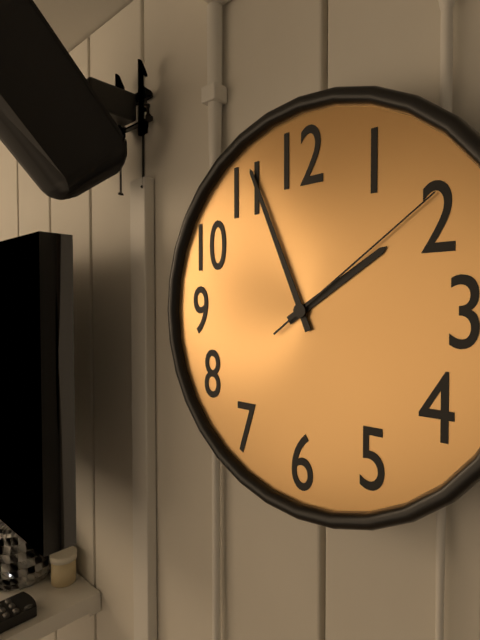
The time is 1:56:09
